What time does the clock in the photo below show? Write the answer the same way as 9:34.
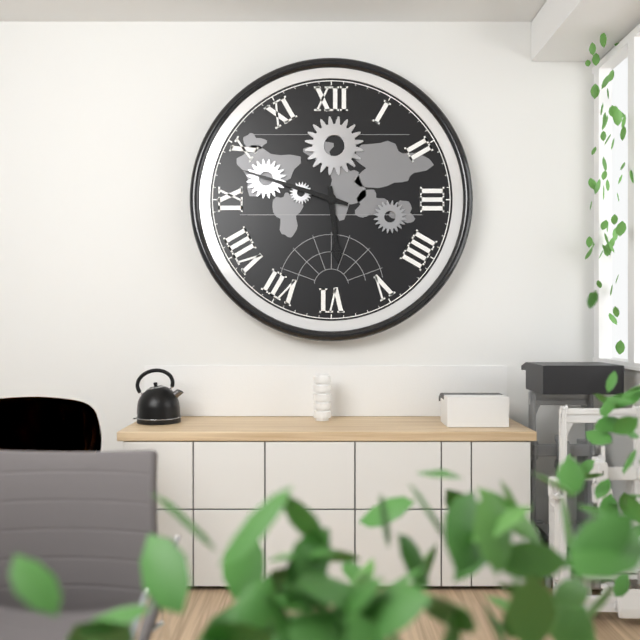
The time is 5:48
